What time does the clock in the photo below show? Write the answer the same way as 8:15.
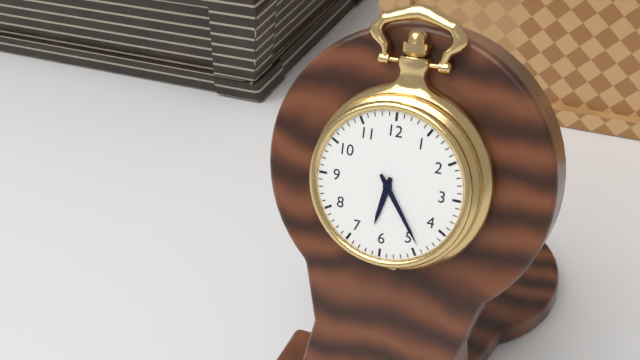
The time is 6:24
